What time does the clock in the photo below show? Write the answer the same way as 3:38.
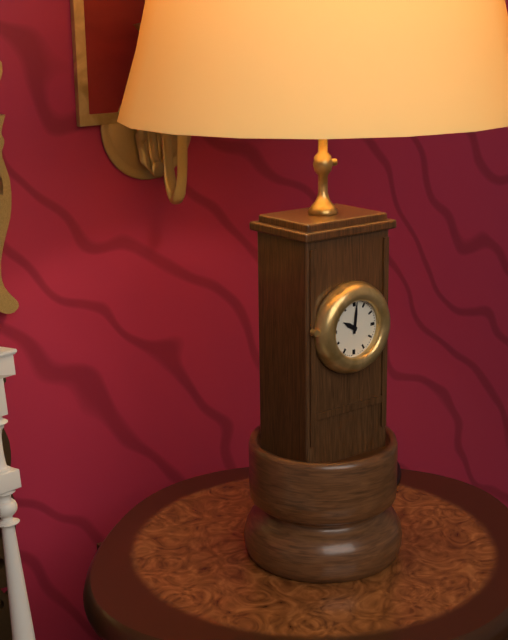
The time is 10:01
